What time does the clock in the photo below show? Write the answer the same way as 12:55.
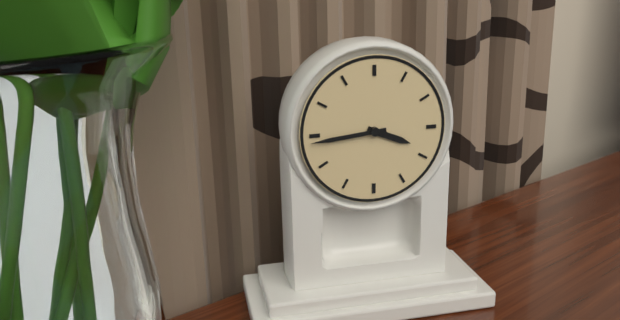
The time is 3:44
